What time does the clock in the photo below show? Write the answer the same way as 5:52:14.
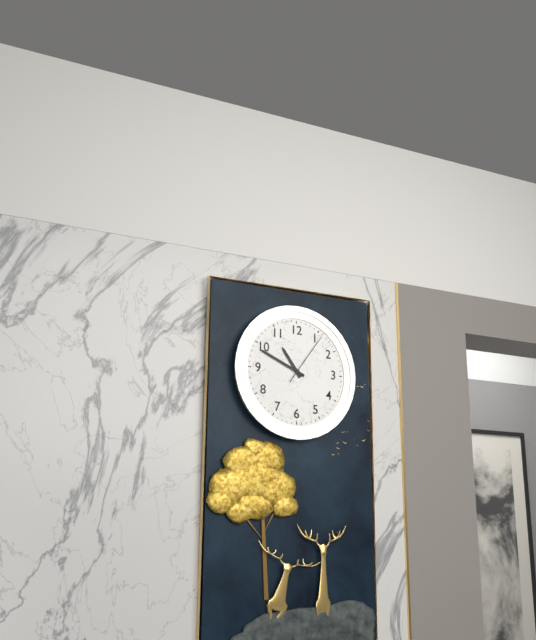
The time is 10:49:06
